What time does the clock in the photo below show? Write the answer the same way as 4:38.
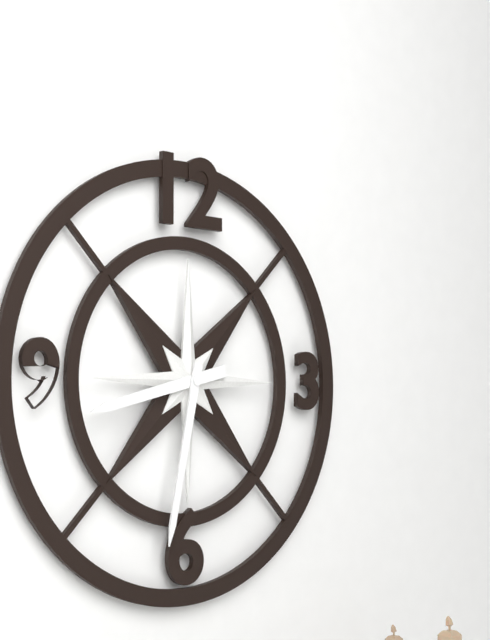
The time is 8:32
